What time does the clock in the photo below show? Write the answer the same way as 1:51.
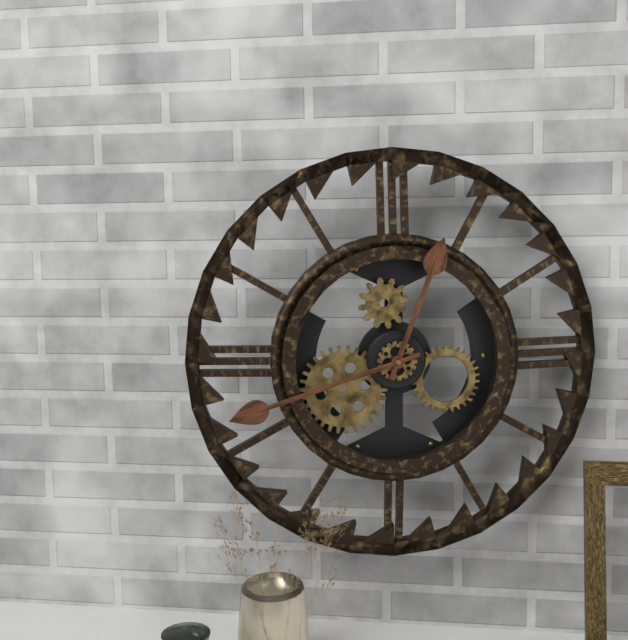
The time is 12:42
